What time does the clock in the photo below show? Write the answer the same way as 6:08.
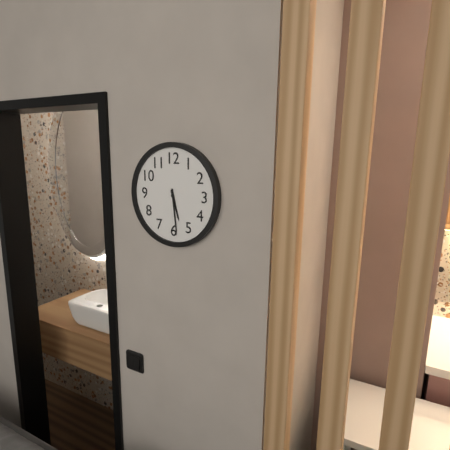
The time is 5:29
